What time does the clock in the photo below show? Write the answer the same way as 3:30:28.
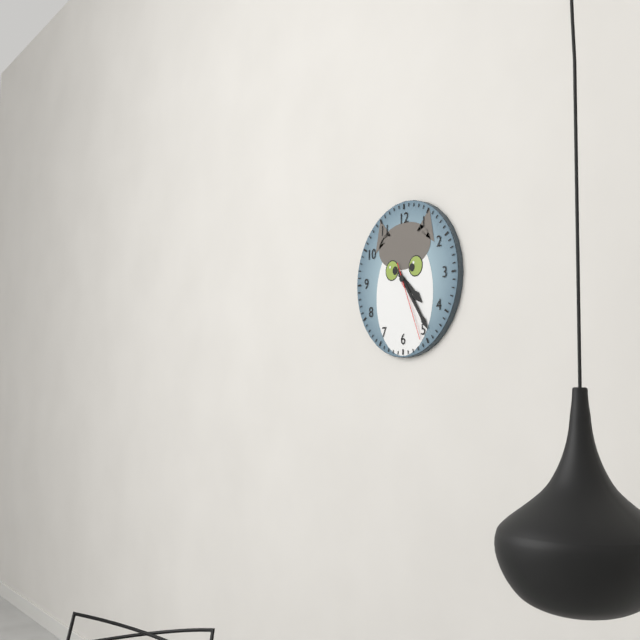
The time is 4:24:26
